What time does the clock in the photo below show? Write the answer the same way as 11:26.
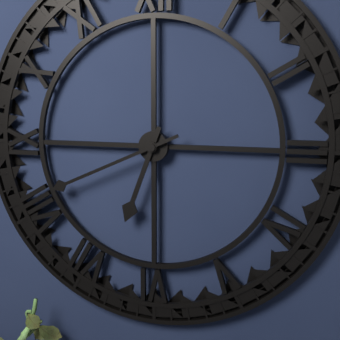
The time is 6:41
